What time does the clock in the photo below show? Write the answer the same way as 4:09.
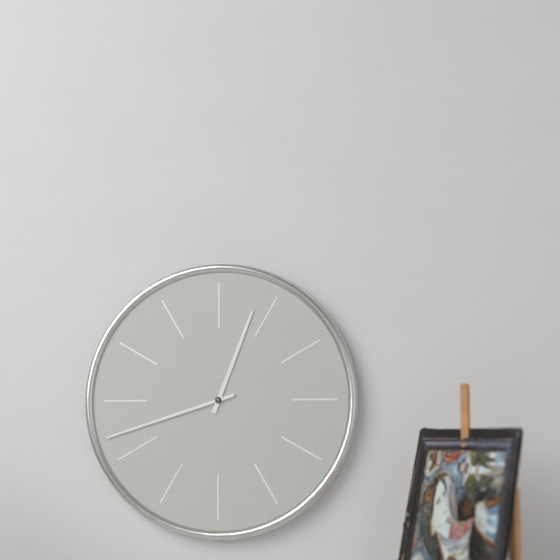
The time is 12:42
